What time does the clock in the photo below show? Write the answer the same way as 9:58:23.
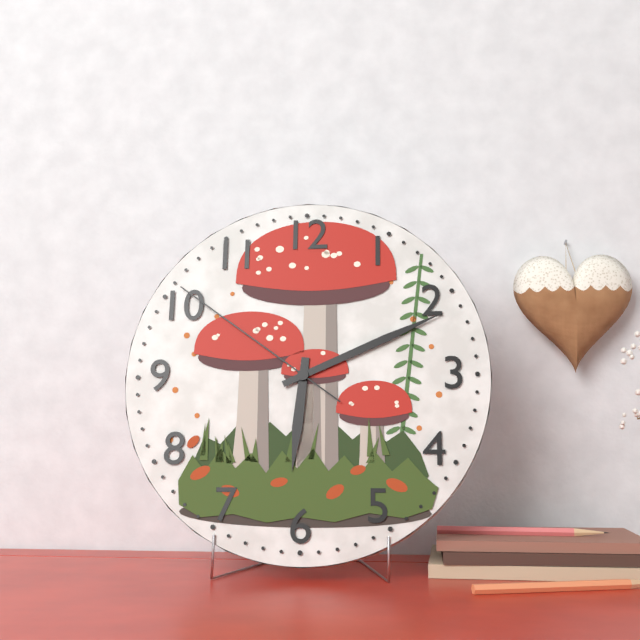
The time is 6:11:51
